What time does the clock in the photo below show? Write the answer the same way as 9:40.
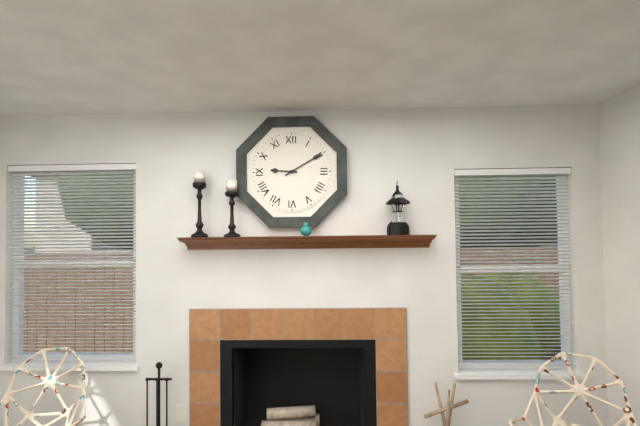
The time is 9:10
